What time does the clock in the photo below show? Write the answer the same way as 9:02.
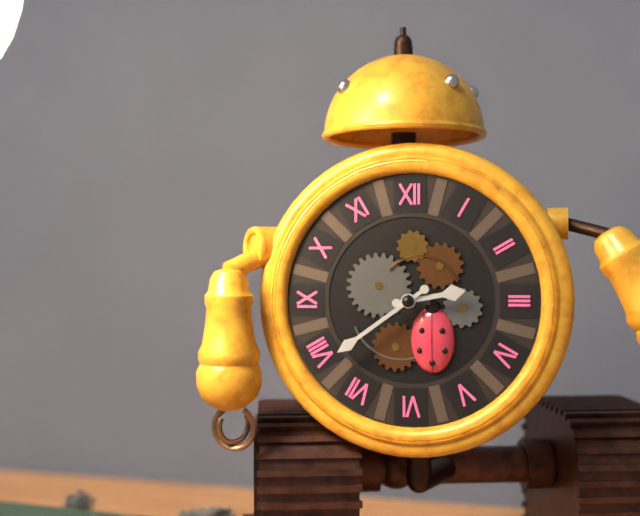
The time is 2:39
